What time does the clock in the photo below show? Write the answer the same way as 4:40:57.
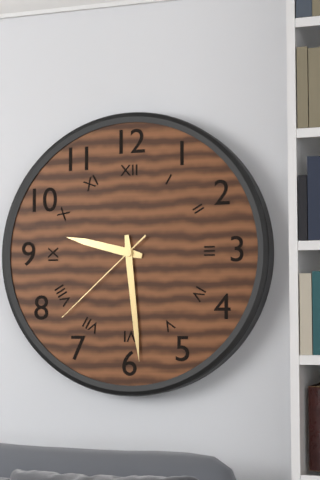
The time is 9:29:38
